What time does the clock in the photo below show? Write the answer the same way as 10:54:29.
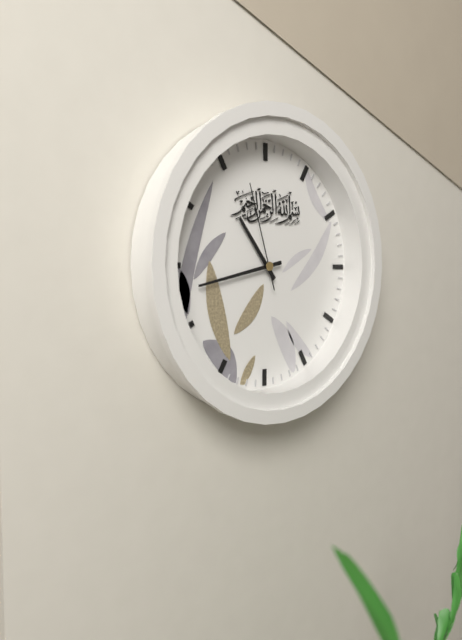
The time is 10:43:57
